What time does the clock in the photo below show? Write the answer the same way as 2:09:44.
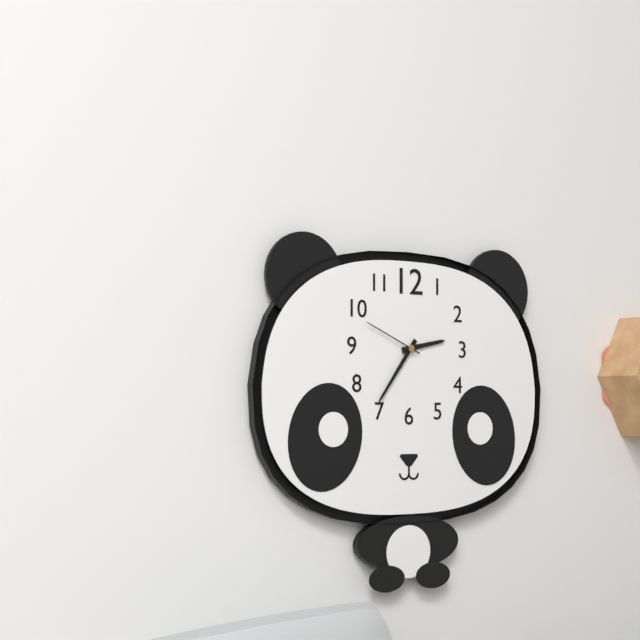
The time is 2:36:49
